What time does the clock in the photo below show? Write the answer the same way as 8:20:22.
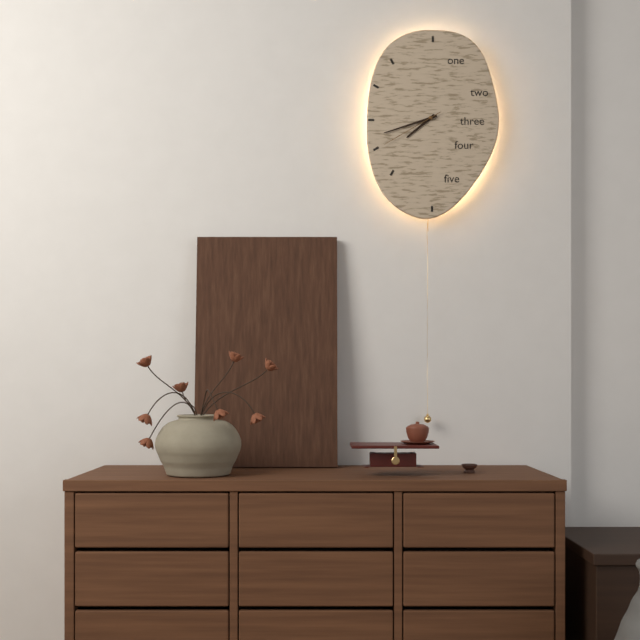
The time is 7:42:40
